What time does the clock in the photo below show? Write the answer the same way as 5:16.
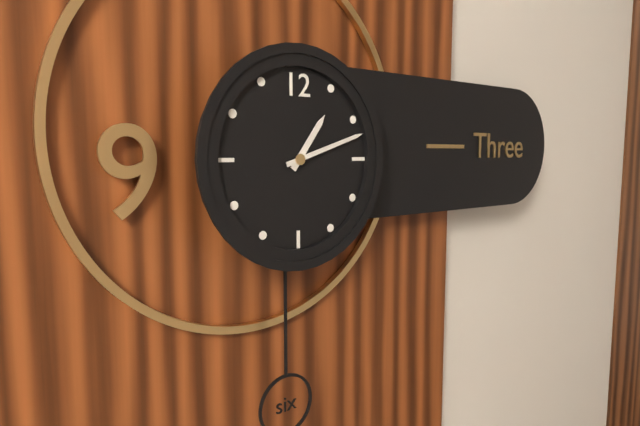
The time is 1:12
